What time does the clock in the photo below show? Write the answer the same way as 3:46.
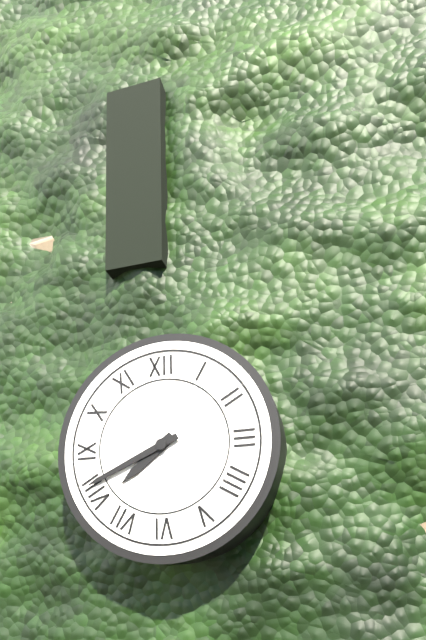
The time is 7:41
